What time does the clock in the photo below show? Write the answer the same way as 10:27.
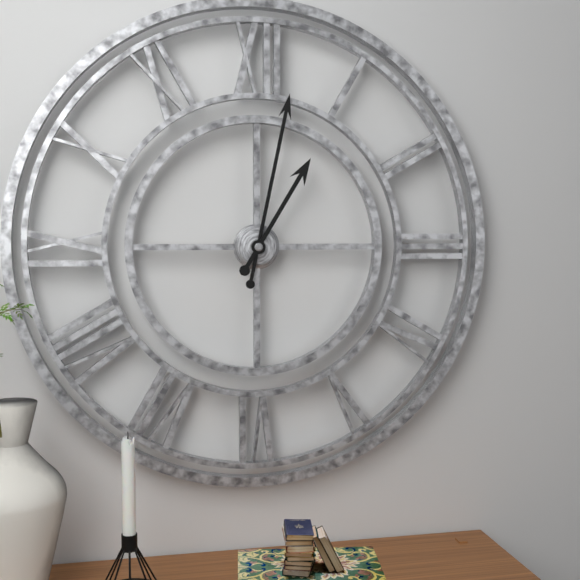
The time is 1:02
